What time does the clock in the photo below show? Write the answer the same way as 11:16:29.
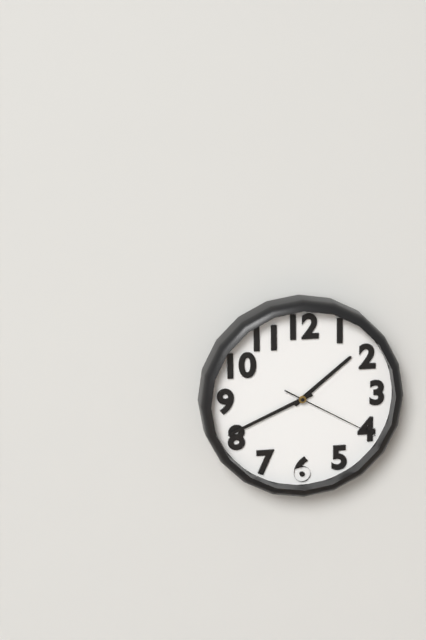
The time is 1:41:20
